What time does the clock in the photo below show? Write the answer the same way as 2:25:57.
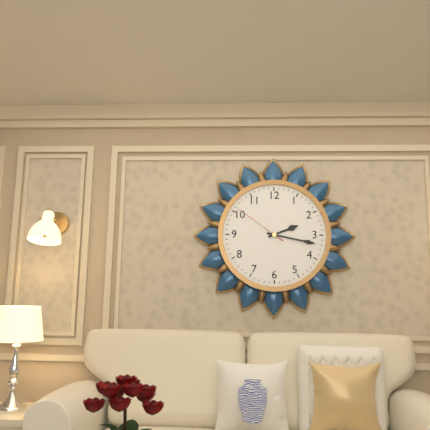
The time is 2:17:51
